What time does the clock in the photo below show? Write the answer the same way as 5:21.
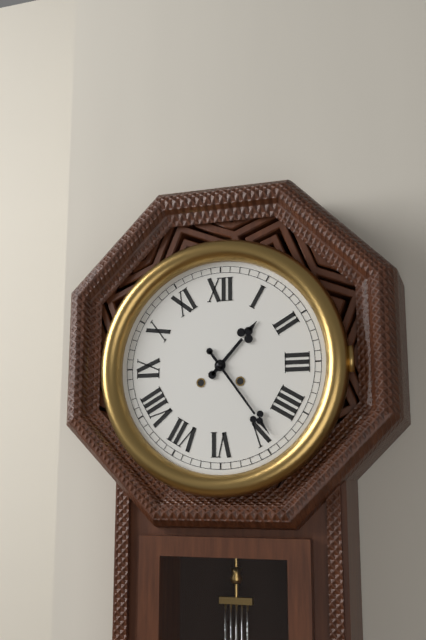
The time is 1:24
